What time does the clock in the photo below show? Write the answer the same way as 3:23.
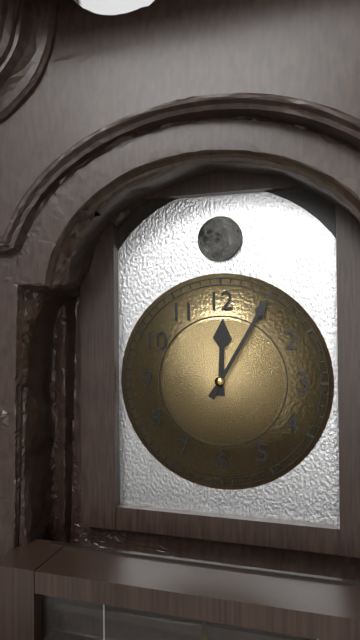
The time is 12:05
